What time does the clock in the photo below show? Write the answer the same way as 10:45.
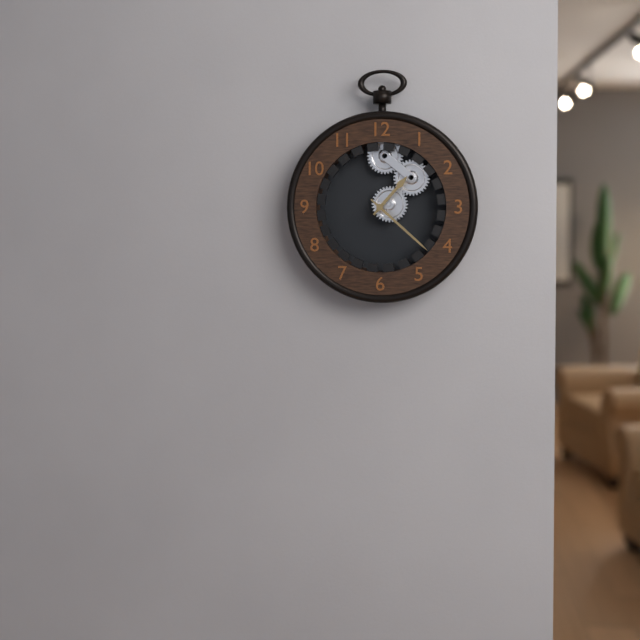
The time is 1:22
